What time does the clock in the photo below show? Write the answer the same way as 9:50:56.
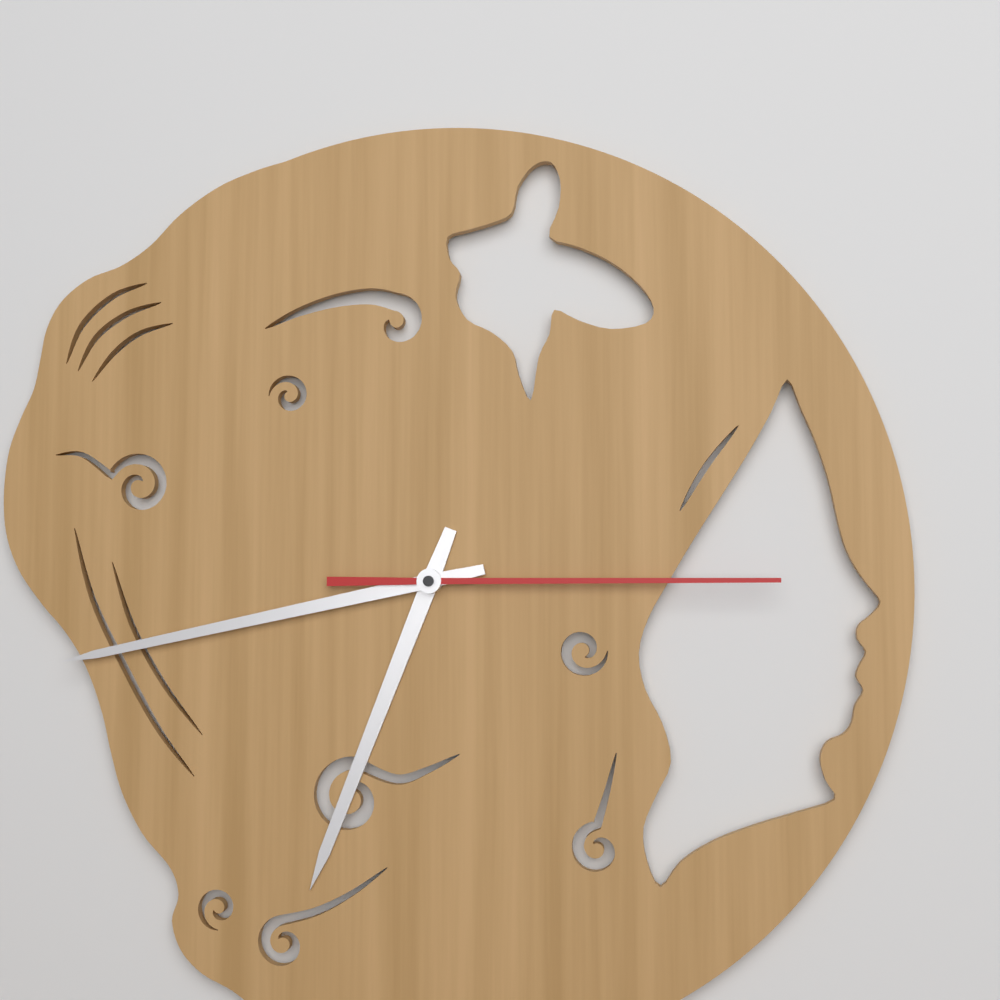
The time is 6:43:15
